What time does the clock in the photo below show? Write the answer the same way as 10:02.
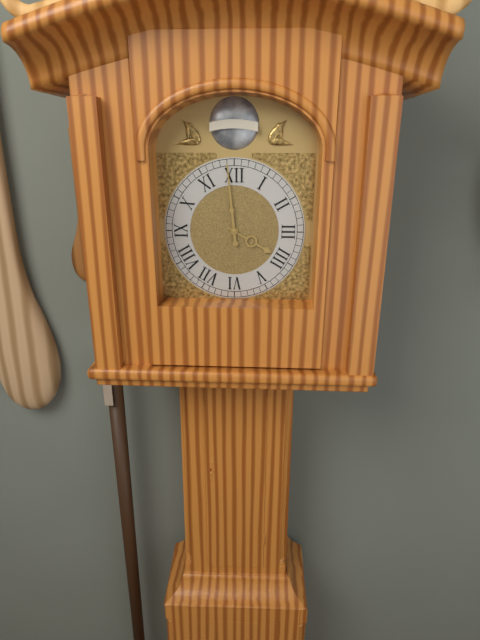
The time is 3:59
